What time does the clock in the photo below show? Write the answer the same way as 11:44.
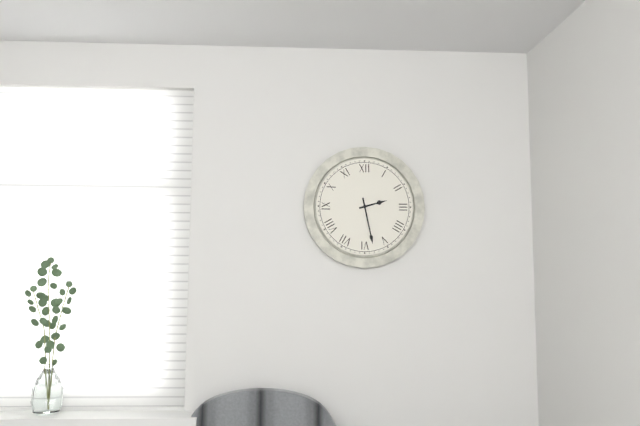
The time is 2:28
